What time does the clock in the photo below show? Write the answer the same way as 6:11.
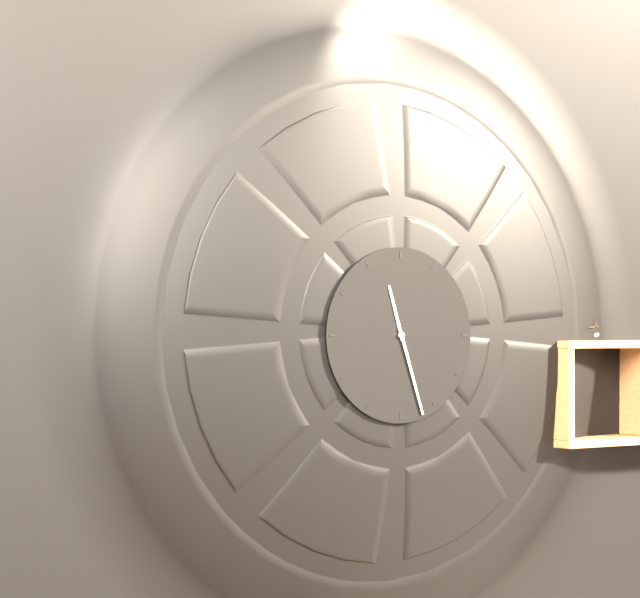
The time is 11:27
